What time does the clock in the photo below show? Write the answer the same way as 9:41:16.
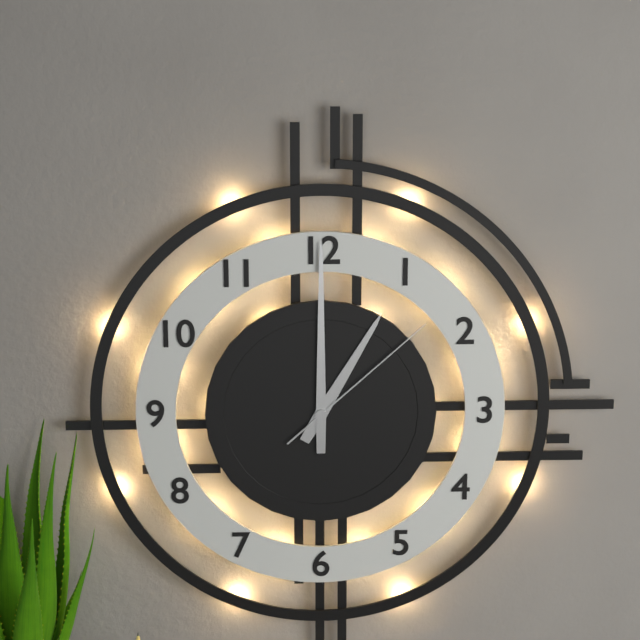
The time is 1:00:08
